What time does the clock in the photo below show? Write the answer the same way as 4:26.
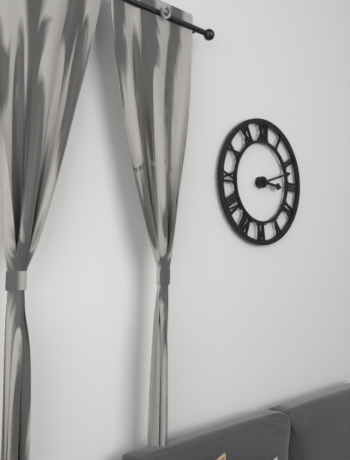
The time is 3:12
